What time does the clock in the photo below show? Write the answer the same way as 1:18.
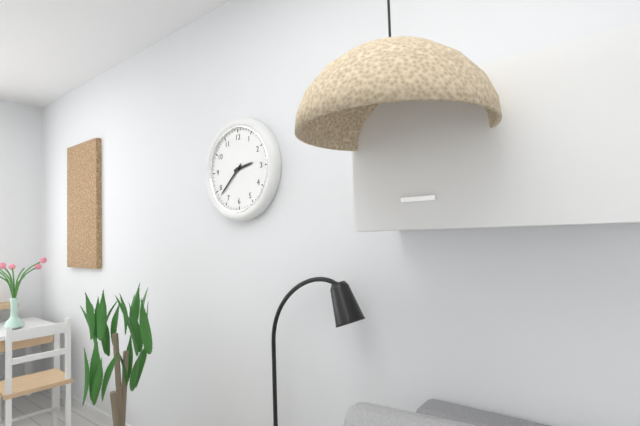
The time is 2:38
